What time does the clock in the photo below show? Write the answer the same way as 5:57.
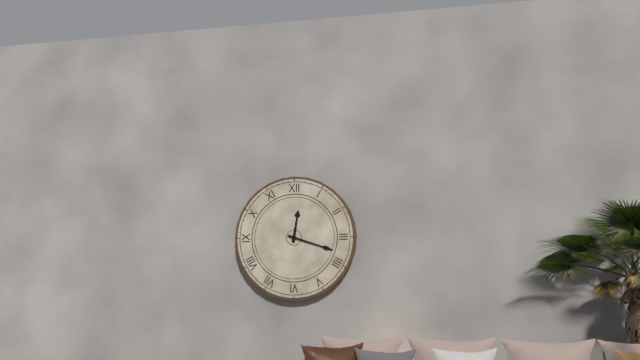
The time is 12:18
